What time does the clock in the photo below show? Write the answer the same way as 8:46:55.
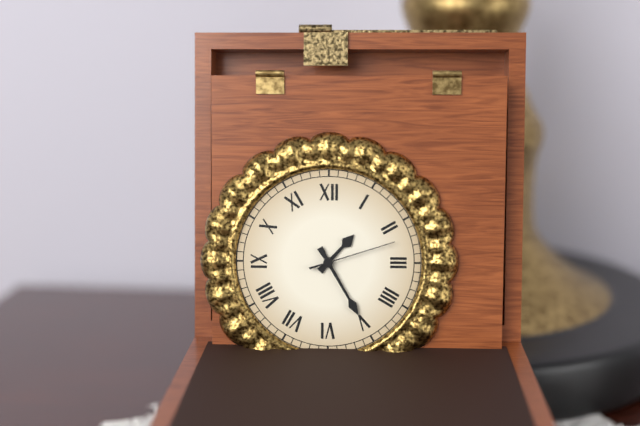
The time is 1:25:12
